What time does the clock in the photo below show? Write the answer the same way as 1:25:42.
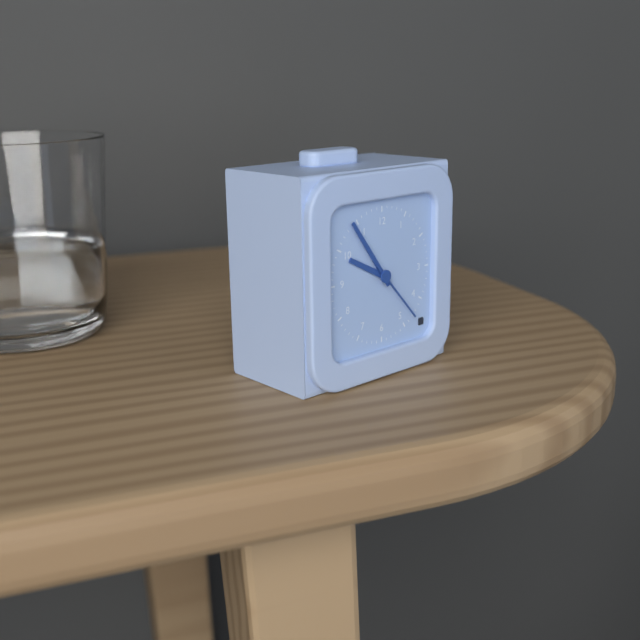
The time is 9:54:23
